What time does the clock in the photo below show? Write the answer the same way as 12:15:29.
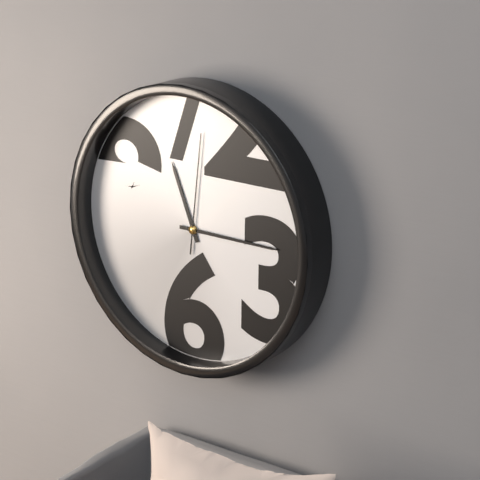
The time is 11:15:01
